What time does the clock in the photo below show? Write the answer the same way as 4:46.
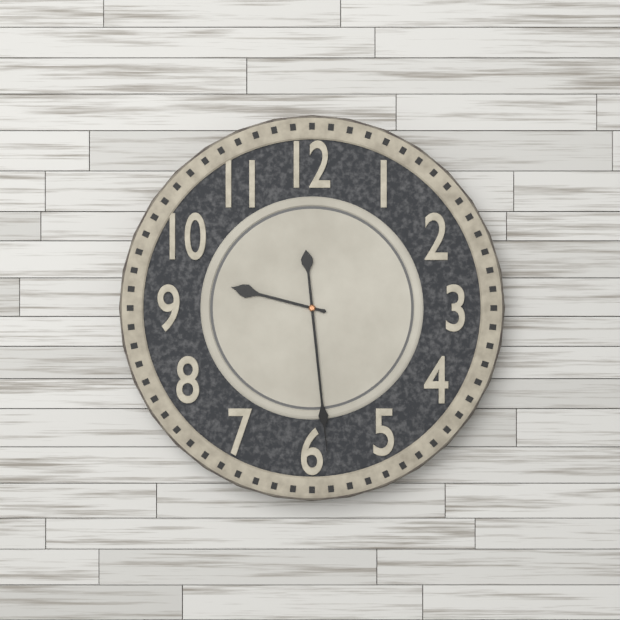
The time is 9:29
